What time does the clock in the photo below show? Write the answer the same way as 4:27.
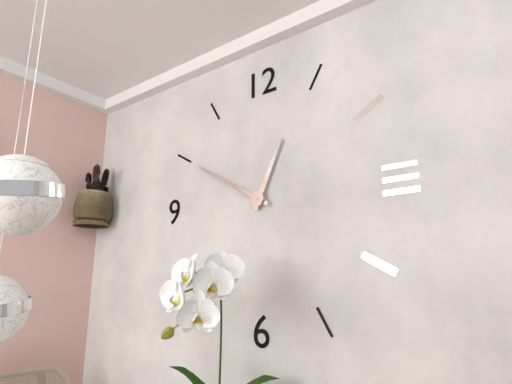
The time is 12:50
